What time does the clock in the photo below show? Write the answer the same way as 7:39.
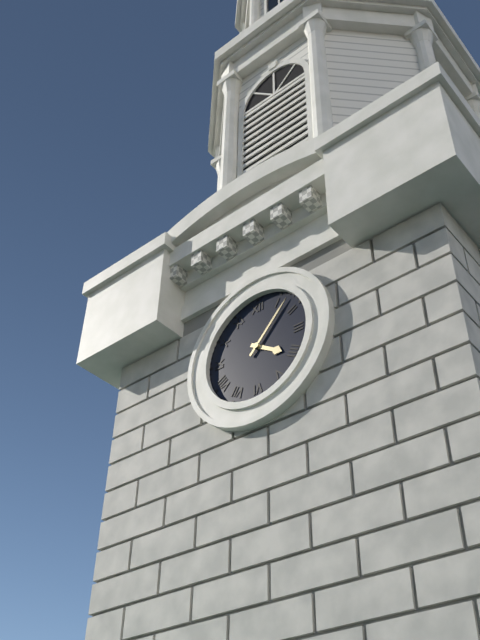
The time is 4:07
